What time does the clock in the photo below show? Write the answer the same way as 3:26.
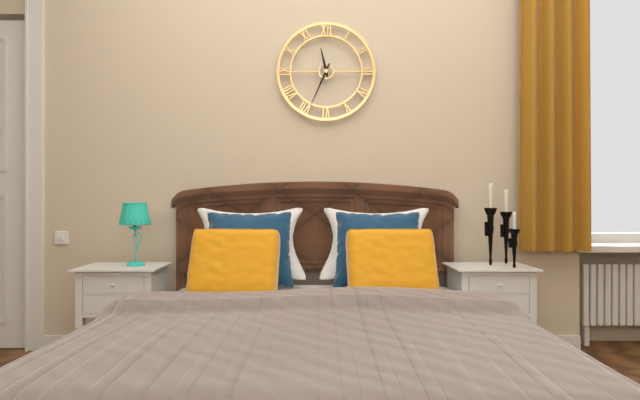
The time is 11:34
